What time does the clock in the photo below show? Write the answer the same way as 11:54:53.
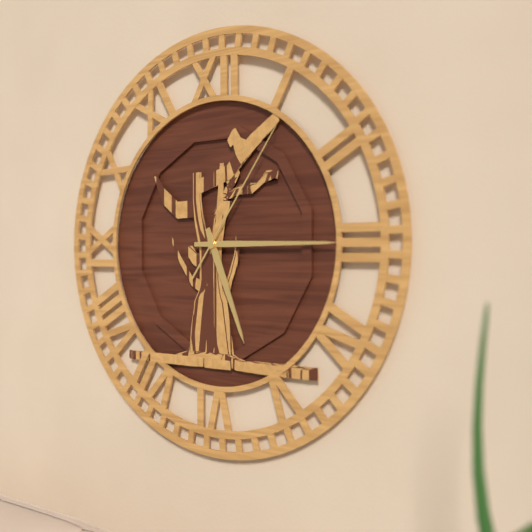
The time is 5:15:06
